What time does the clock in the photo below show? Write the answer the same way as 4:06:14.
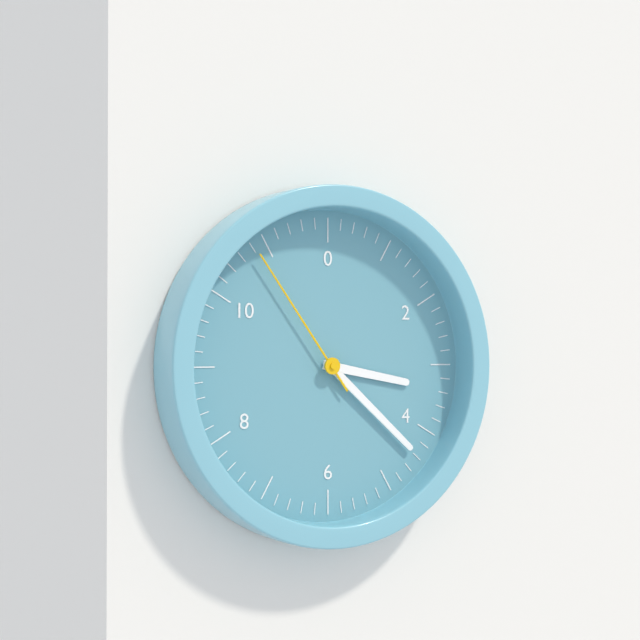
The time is 3:22:54
